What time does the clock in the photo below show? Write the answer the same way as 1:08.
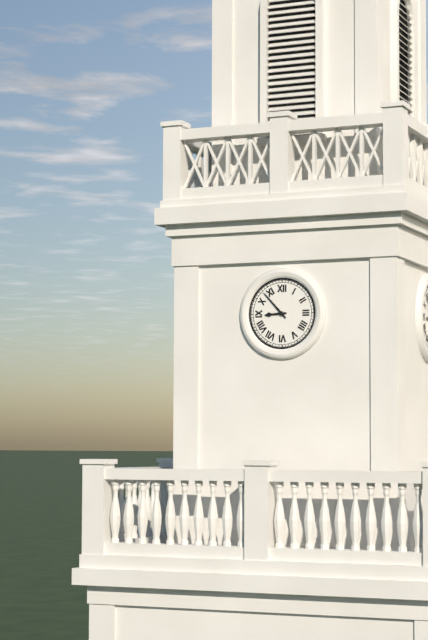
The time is 8:53
